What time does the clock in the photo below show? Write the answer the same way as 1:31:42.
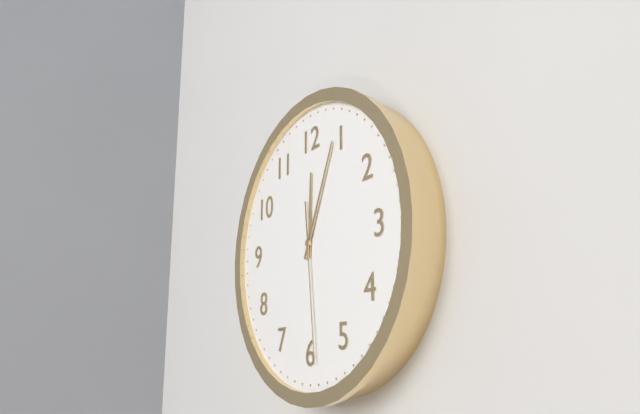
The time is 12:04:29
